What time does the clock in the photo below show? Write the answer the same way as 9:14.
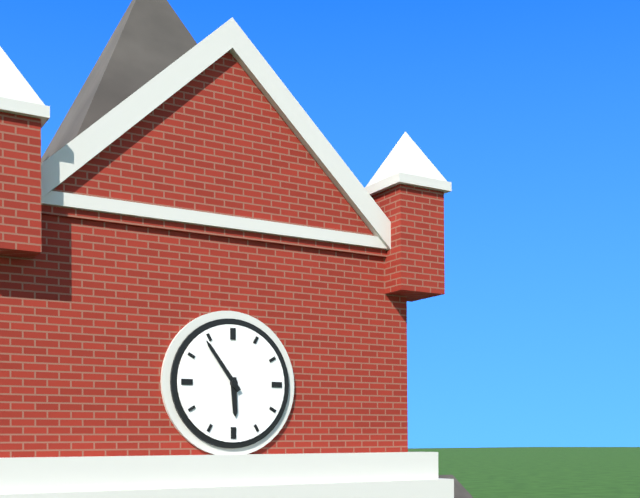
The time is 5:54
